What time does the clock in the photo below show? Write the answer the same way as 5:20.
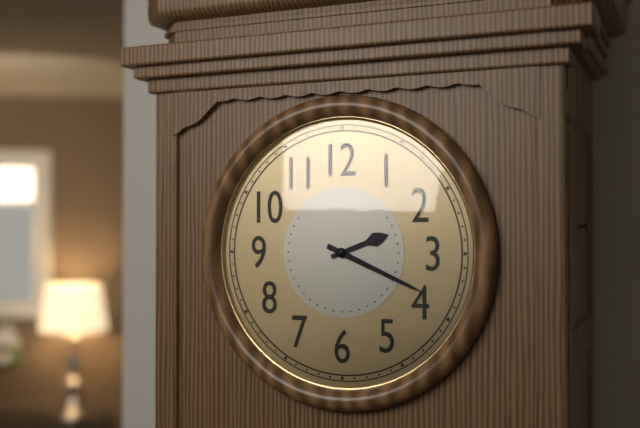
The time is 2:19
